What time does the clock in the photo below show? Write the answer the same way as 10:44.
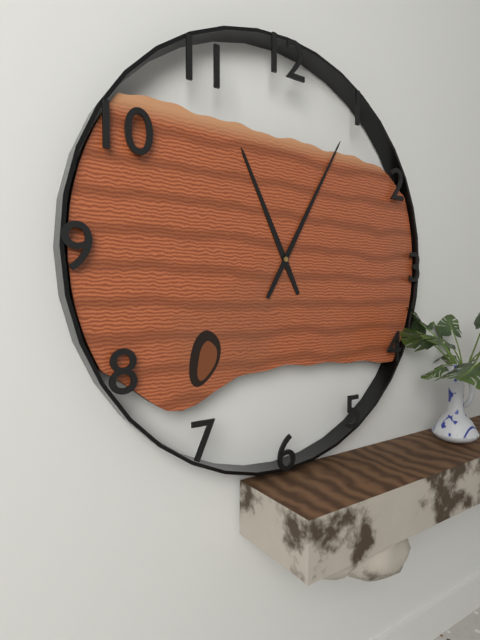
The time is 11:05
